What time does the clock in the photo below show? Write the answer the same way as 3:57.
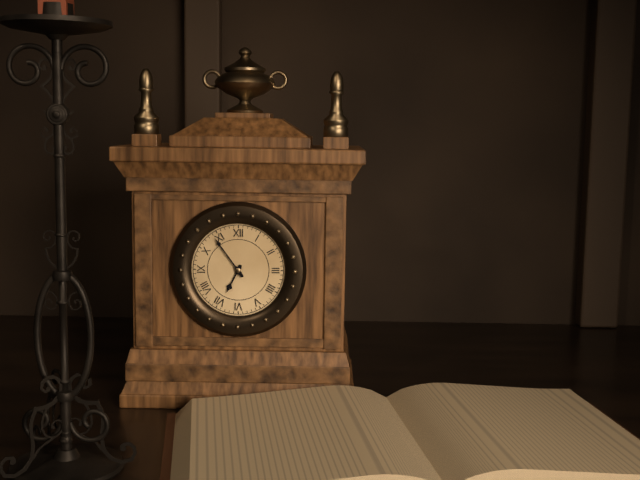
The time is 6:54
